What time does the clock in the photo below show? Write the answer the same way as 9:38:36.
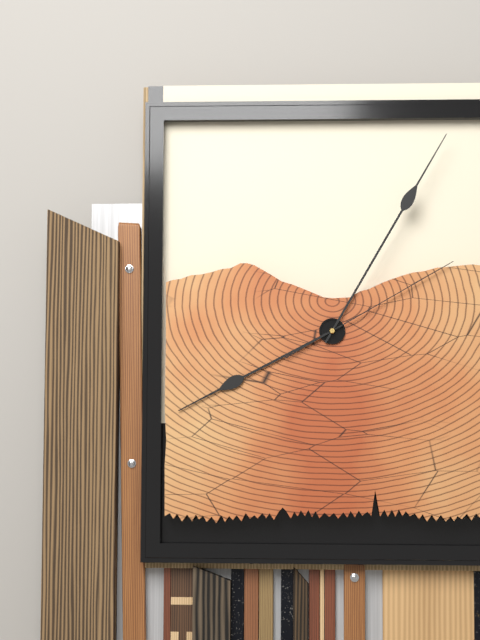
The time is 8:05:10
